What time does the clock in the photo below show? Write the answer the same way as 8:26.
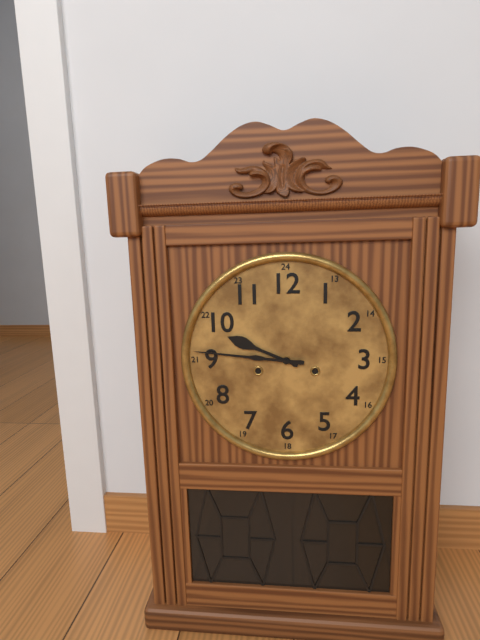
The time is 9:46
